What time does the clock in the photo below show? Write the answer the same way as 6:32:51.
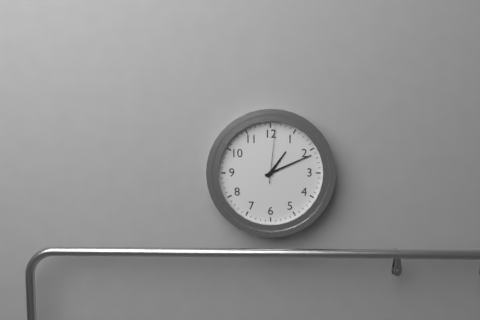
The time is 1:11:01
